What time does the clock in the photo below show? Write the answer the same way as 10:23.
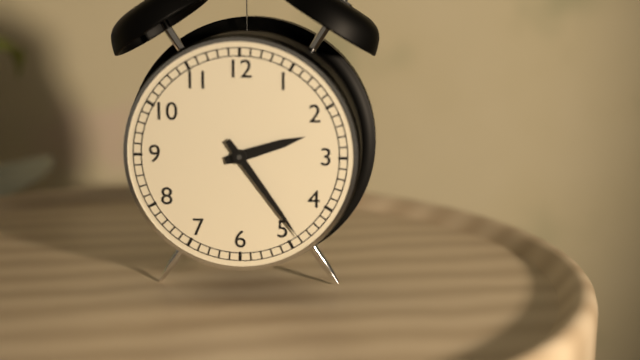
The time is 2:24
